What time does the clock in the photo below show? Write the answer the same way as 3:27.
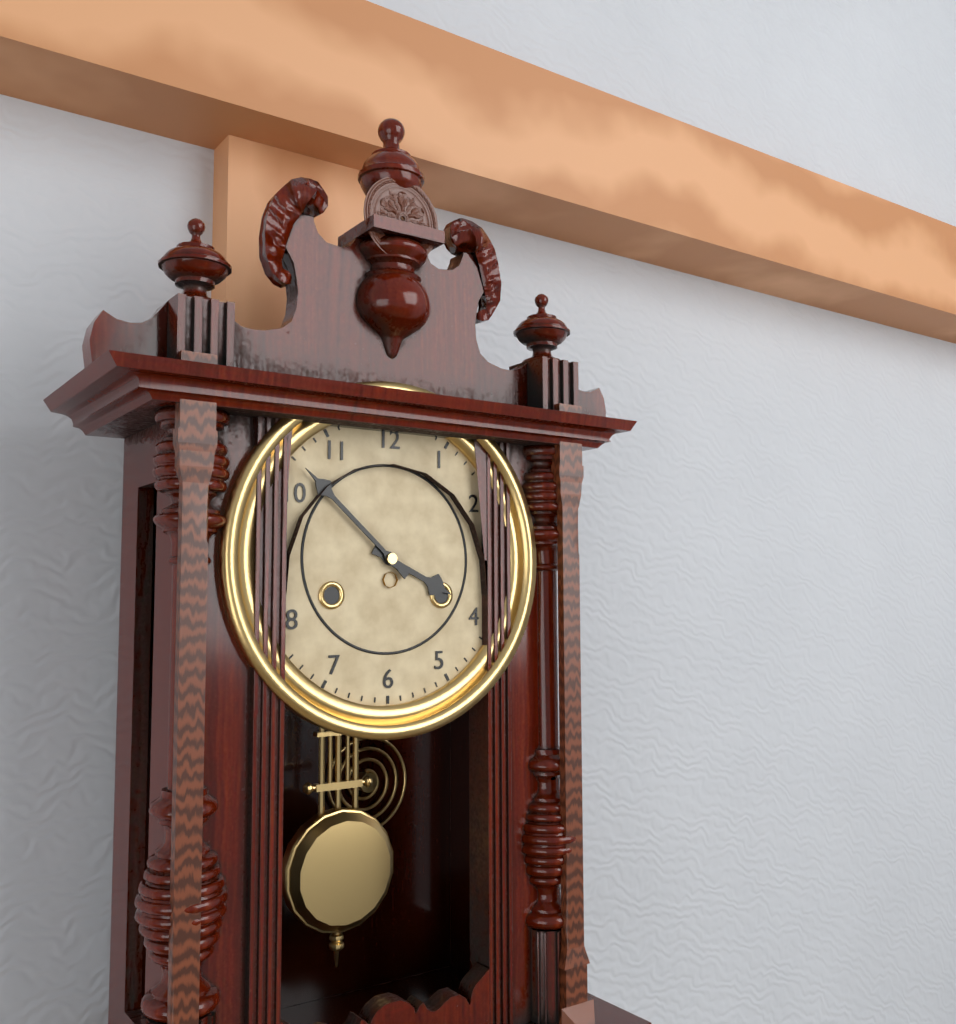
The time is 3:52
